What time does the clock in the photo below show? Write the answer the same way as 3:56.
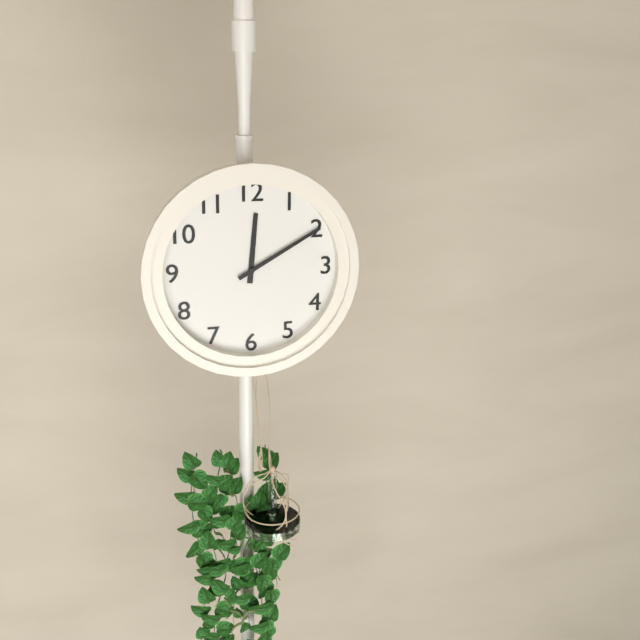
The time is 12:10
